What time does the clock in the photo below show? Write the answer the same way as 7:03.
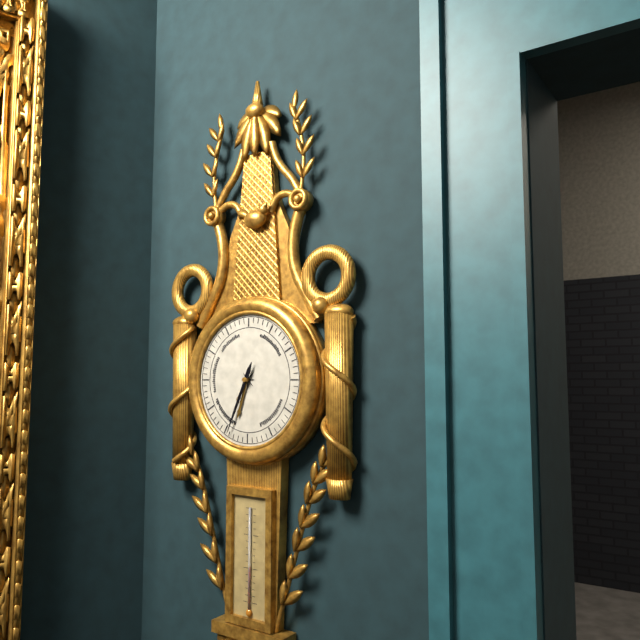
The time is 6:34
